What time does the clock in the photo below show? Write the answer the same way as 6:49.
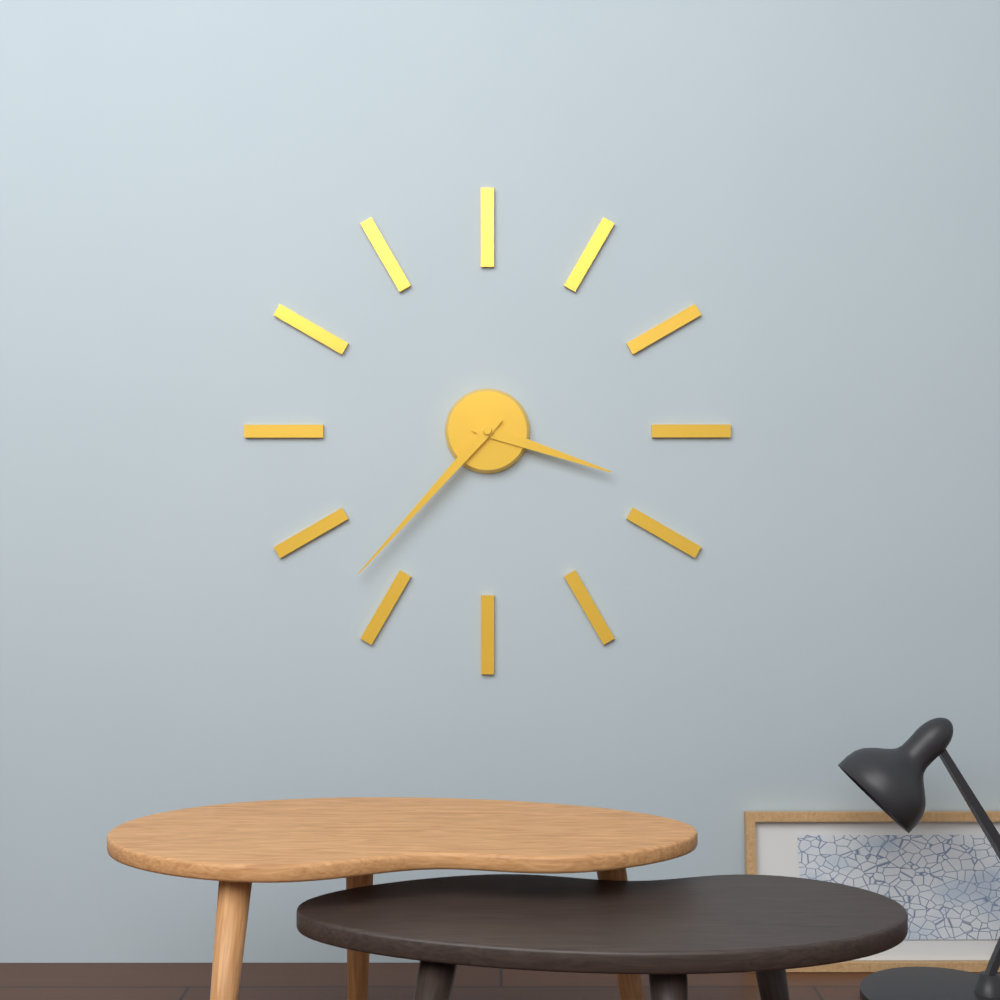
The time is 3:37
